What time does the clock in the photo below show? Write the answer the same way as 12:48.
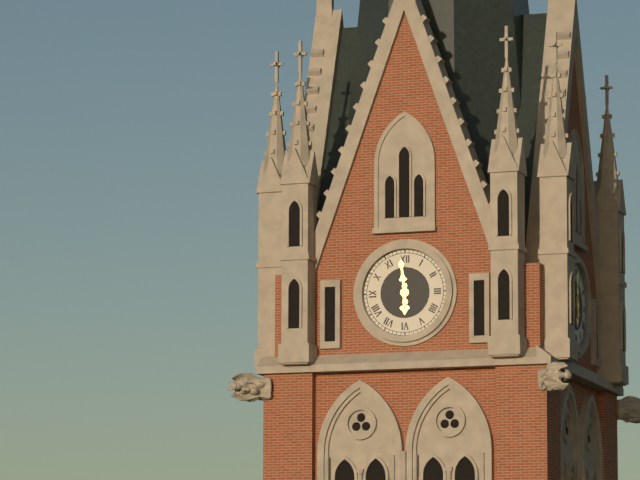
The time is 5:59
